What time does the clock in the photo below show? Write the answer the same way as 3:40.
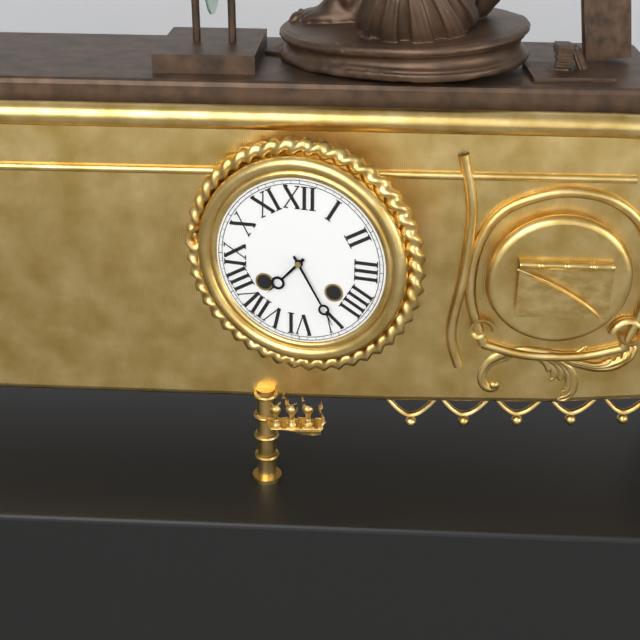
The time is 7:25
